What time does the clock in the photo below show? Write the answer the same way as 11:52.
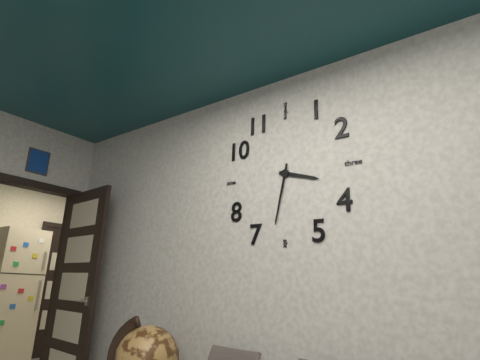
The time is 3:32
